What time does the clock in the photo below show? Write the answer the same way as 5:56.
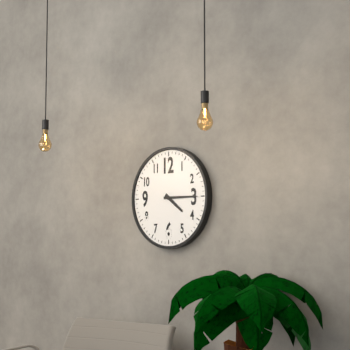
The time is 4:15
